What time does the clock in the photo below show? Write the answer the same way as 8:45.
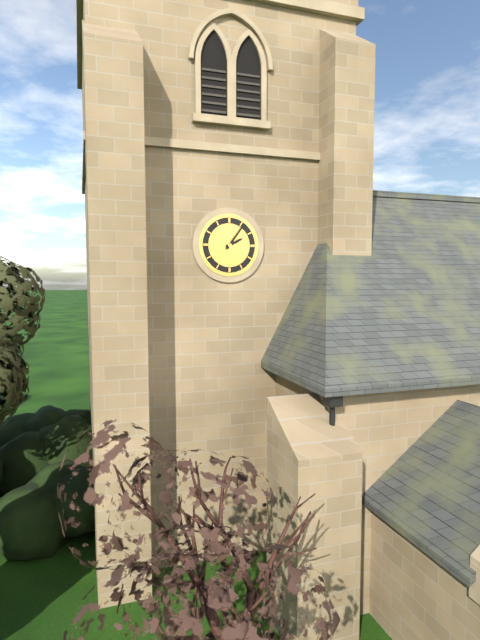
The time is 2:06
